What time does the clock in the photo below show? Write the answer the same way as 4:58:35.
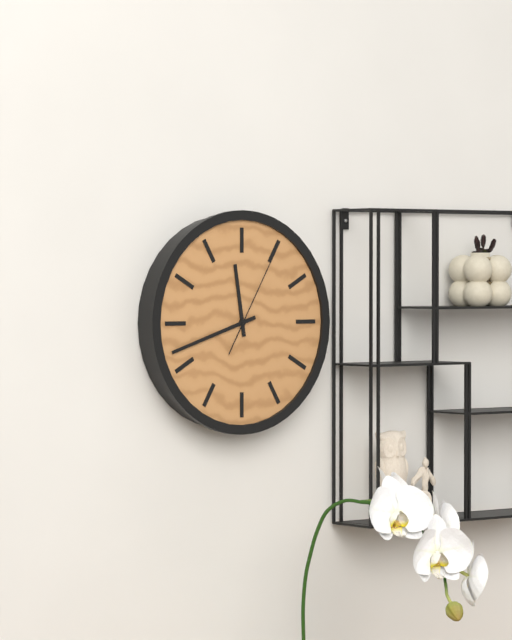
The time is 11:42:05
